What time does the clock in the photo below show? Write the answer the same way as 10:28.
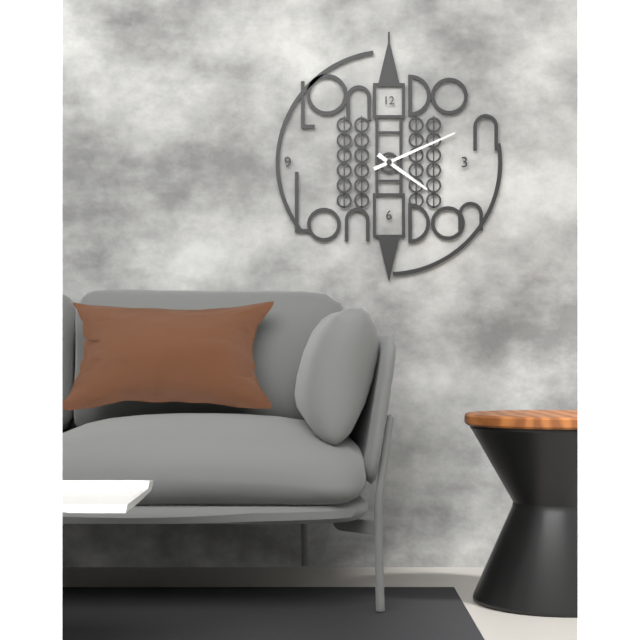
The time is 4:11
